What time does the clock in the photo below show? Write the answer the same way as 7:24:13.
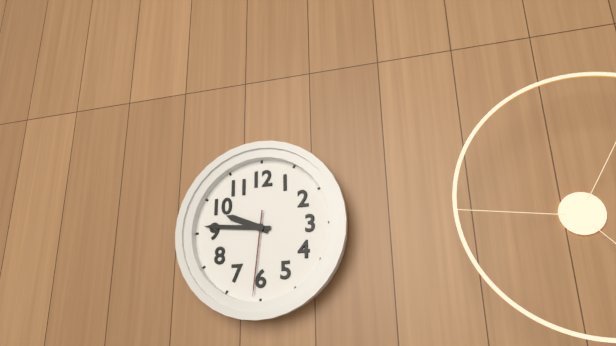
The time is 9:46:31
